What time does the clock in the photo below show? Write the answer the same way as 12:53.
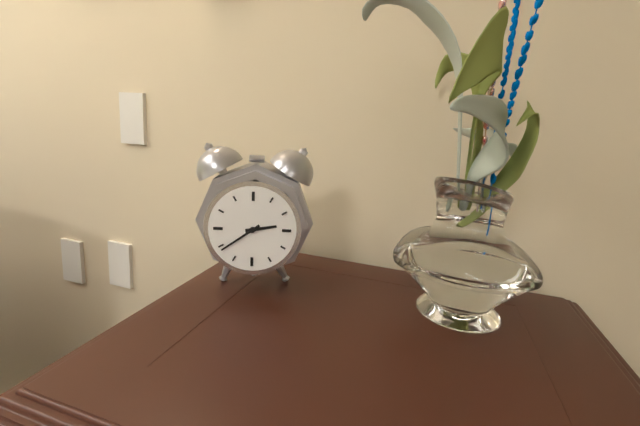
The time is 2:39
